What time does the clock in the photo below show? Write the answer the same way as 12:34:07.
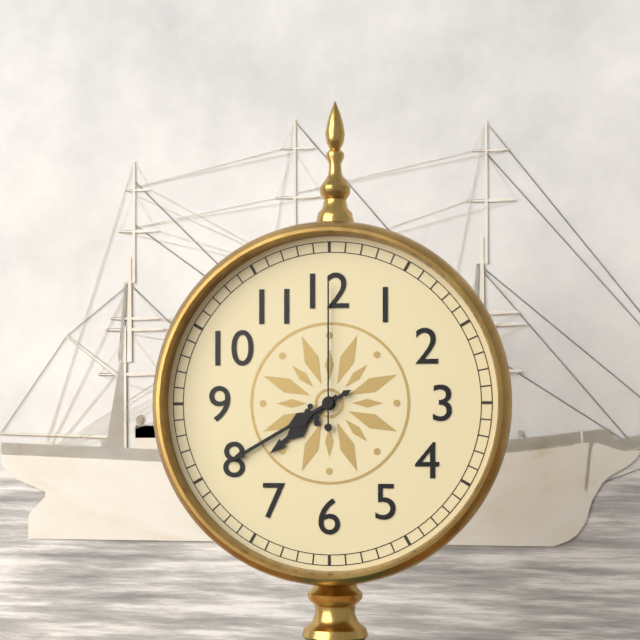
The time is 7:40:00
